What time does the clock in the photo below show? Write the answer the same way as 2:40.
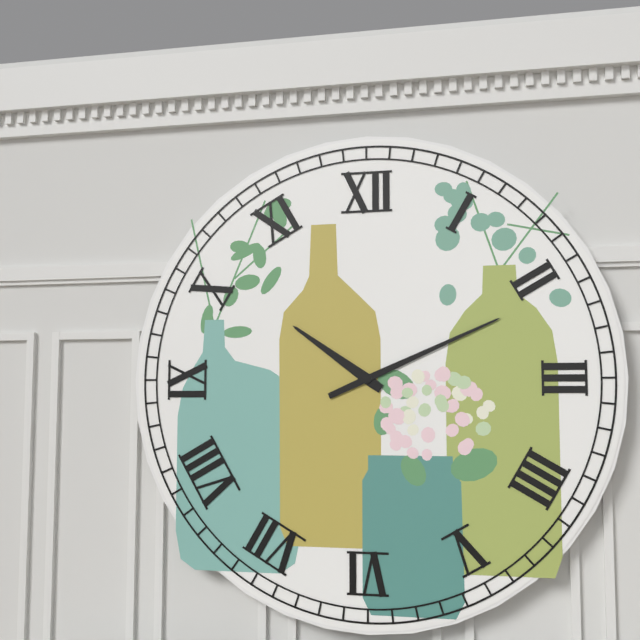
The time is 10:11
